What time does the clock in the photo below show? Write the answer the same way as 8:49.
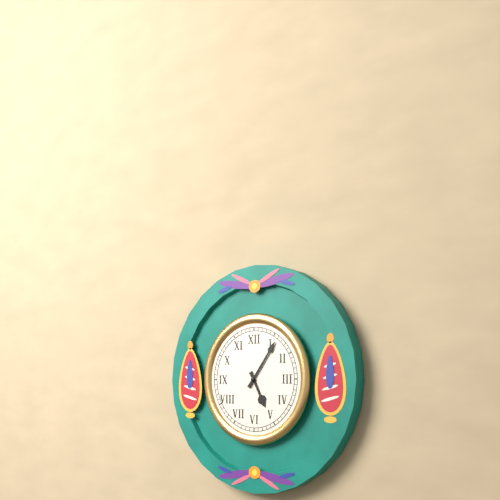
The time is 5:06
